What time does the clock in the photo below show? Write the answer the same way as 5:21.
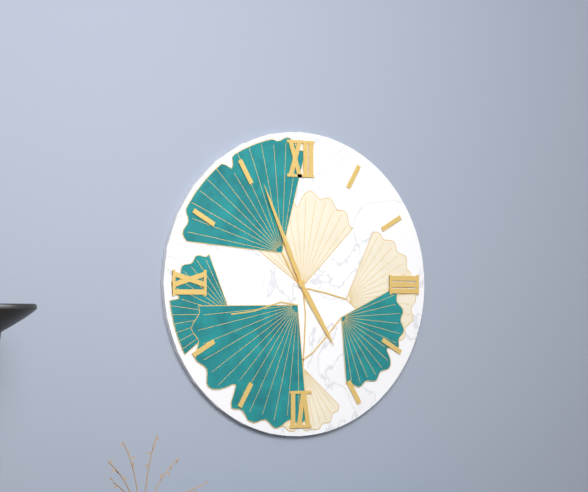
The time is 4:56
